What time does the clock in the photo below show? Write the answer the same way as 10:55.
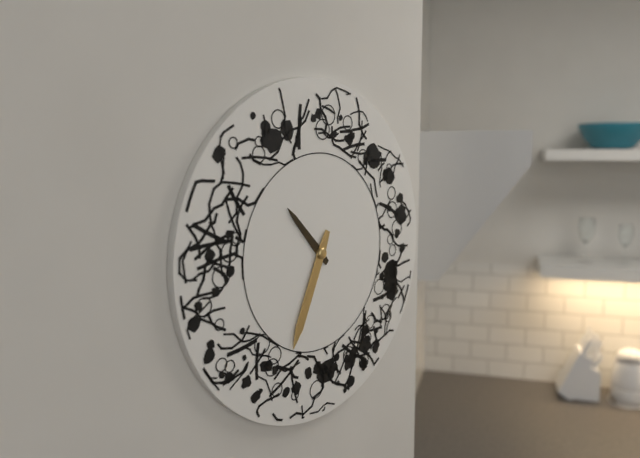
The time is 10:34
